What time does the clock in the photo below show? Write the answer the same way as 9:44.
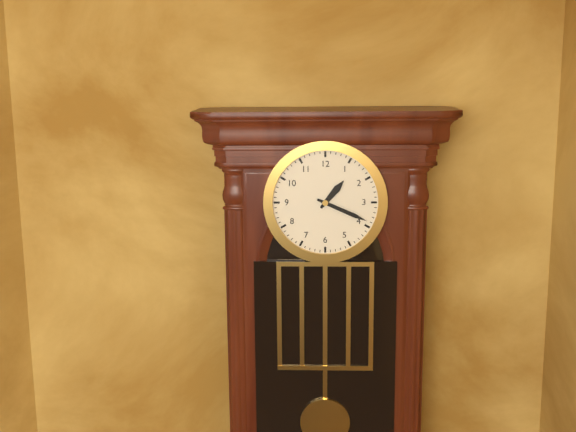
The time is 1:19
